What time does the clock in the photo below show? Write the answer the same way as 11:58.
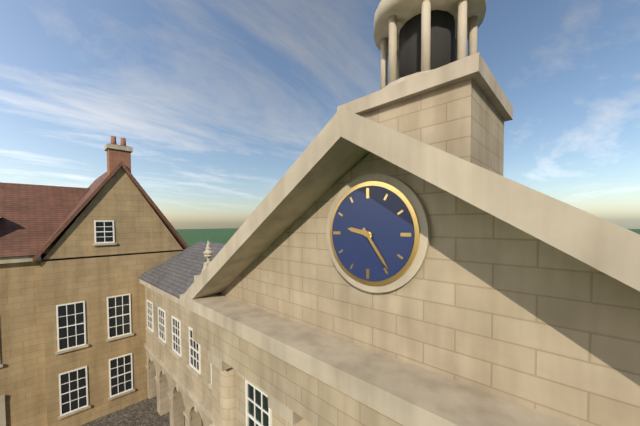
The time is 9:24
